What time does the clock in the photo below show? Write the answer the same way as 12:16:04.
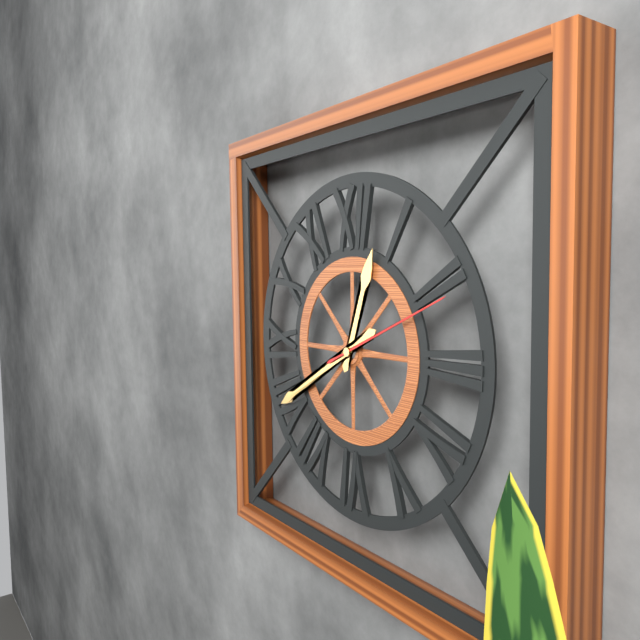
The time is 12:40:11
